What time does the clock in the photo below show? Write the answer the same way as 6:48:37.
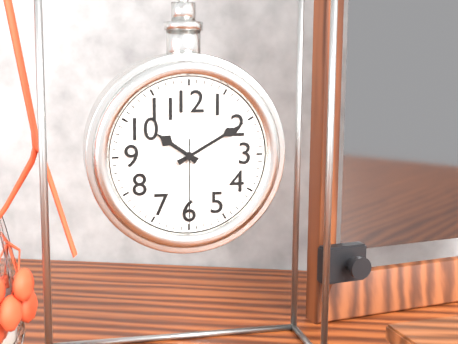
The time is 10:10:30
